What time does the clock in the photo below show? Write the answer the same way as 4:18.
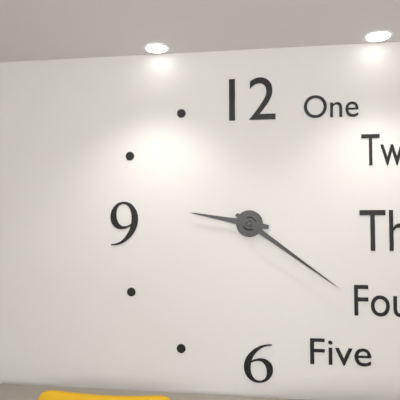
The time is 9:21
